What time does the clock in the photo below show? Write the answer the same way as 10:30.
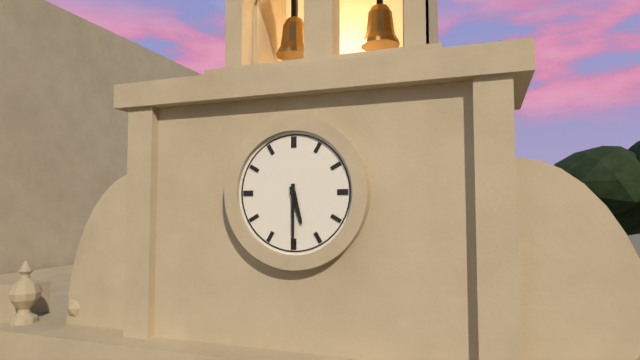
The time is 5:30
